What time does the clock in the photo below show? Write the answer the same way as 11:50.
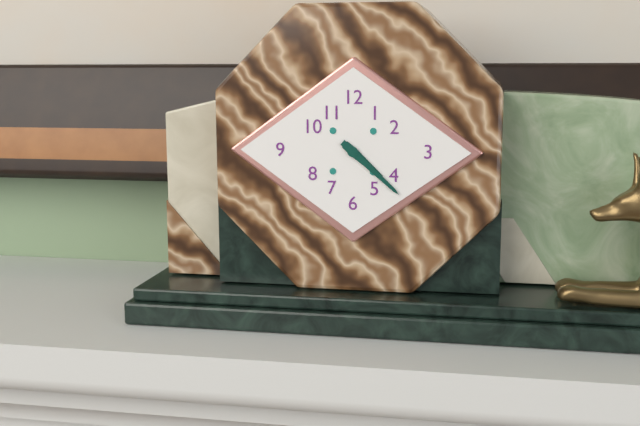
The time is 4:22
